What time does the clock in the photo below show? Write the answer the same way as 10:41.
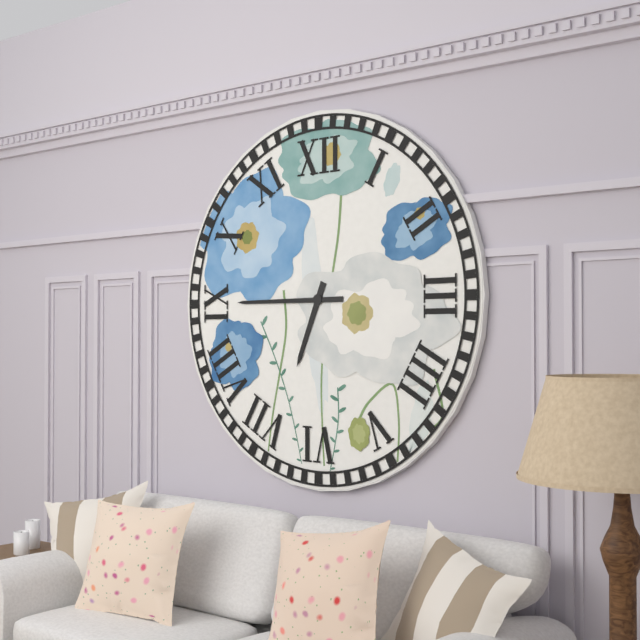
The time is 6:45
